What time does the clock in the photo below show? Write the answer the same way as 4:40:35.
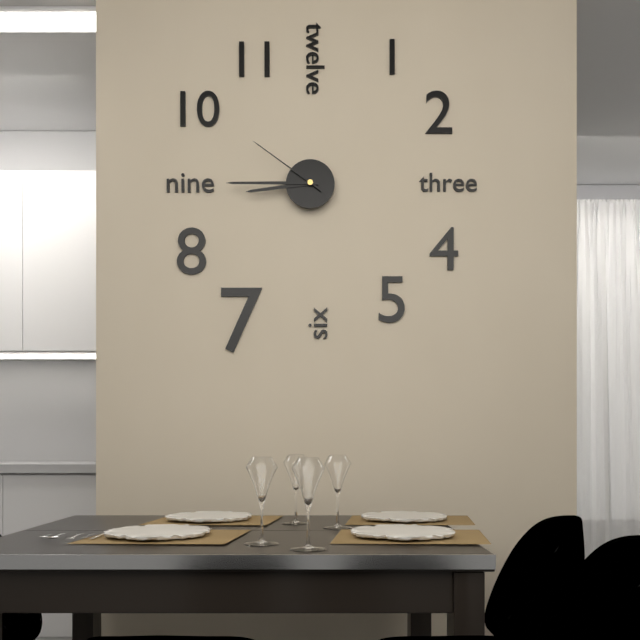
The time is 8:45:51
